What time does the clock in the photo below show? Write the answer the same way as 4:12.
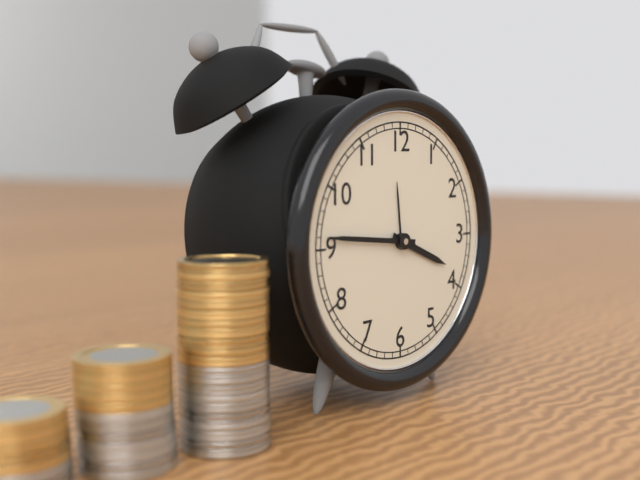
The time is 3:46
